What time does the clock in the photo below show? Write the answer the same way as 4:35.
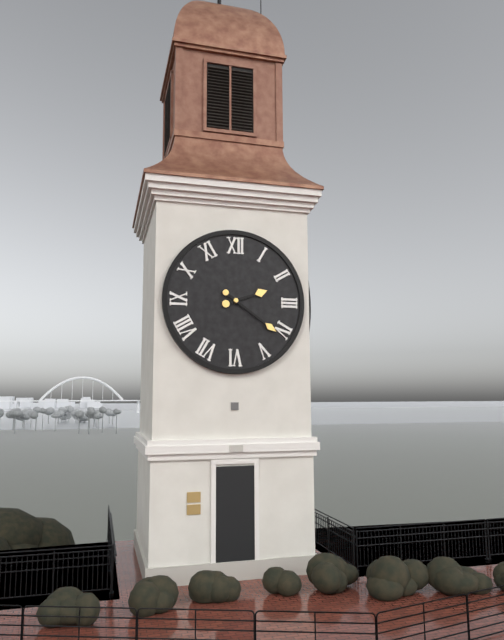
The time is 2:21
